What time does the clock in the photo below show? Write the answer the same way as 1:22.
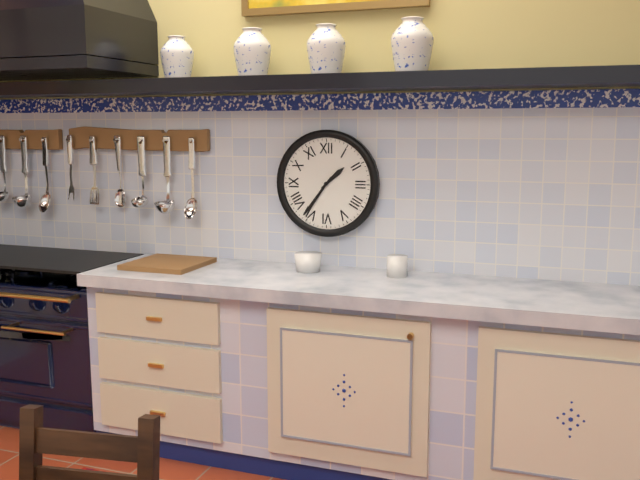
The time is 1:36
